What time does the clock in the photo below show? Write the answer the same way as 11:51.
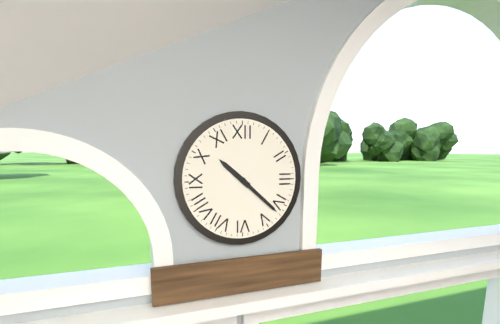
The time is 10:22
